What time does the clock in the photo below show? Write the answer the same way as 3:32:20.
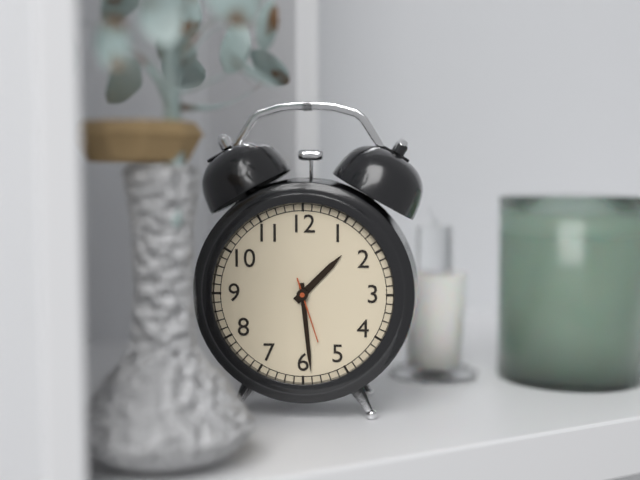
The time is 1:29:27
